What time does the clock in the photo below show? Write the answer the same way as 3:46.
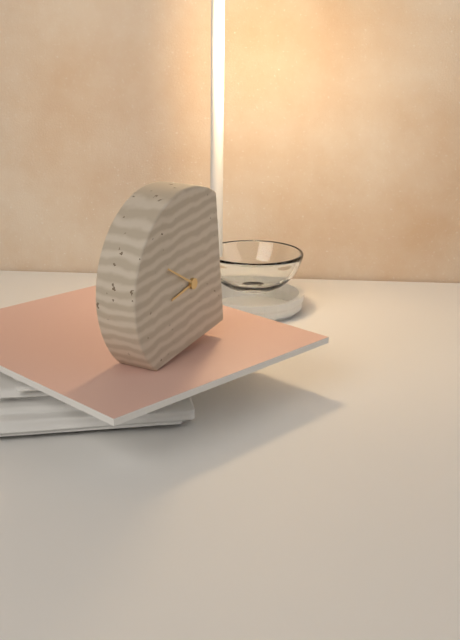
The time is 8:51
